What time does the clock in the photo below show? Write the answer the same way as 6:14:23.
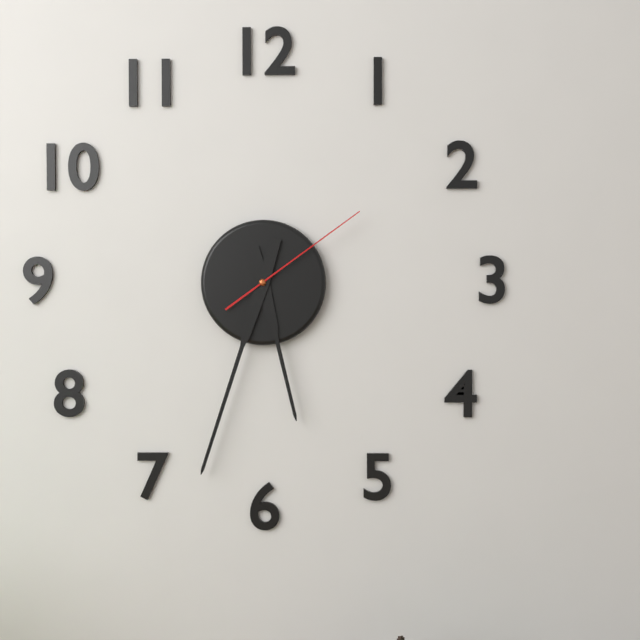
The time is 5:33:09
